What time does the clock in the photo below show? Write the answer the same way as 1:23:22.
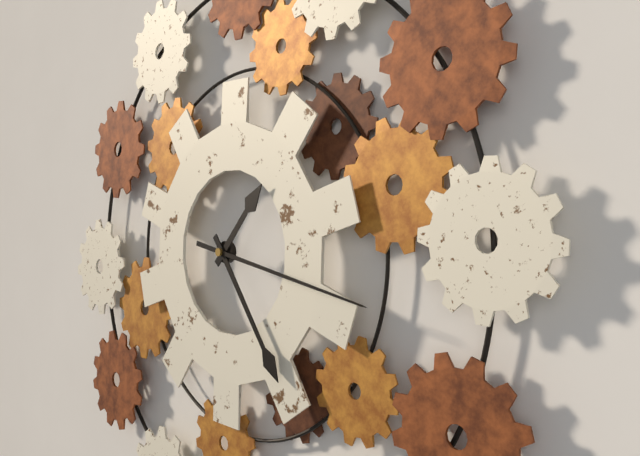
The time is 1:24:17
